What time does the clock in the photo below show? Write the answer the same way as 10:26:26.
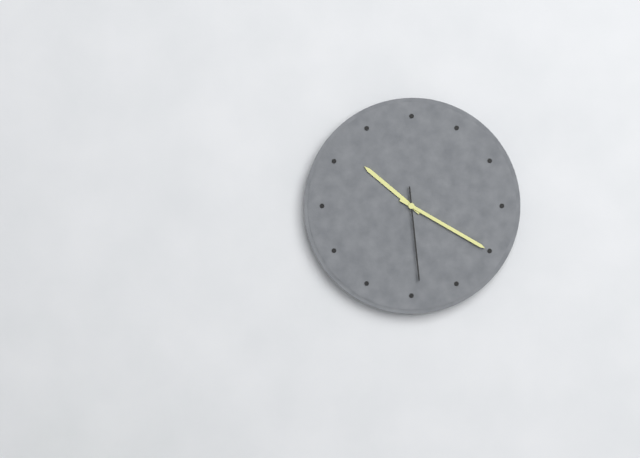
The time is 10:20:29
